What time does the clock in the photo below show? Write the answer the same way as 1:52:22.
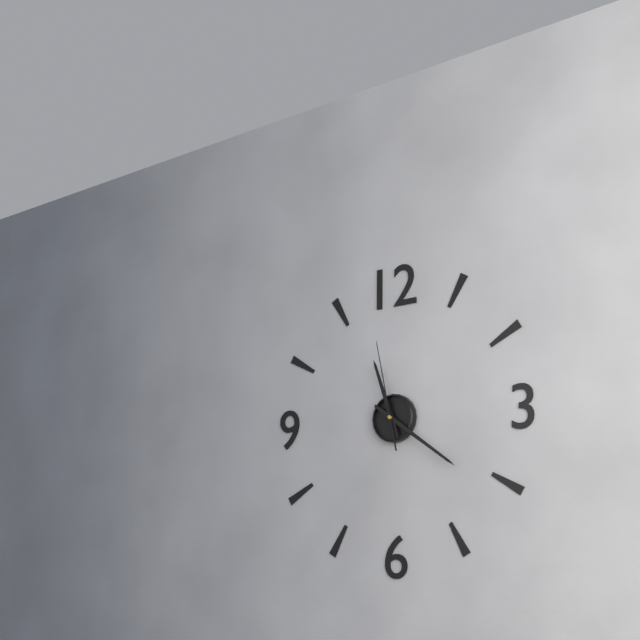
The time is 11:21:58
